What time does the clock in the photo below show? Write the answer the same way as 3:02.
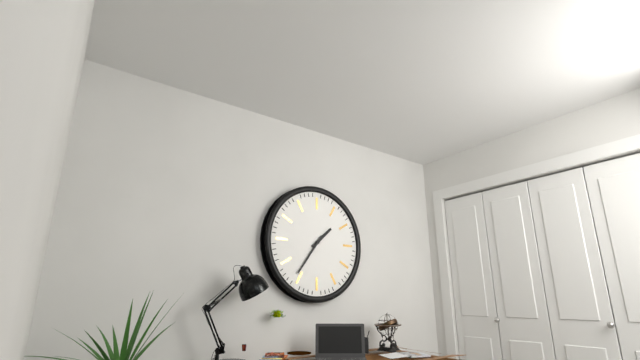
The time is 1:36
